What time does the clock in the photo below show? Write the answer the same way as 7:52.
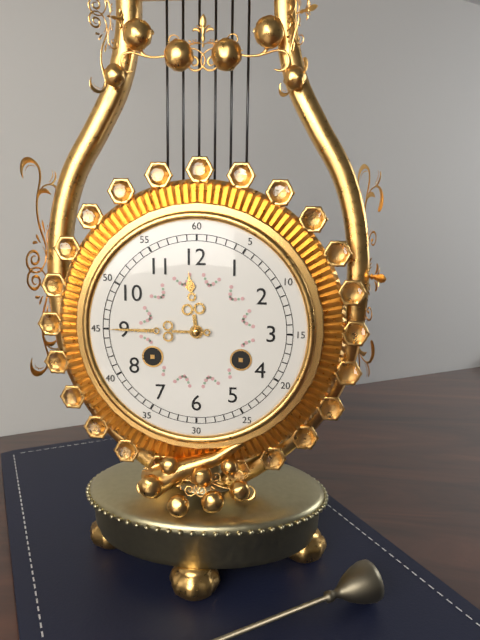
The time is 11:45
